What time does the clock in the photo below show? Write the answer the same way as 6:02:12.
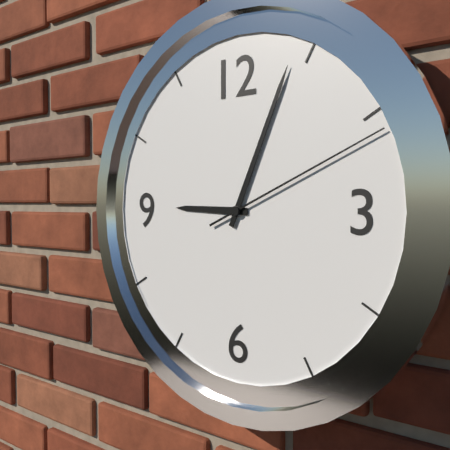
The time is 9:04:11
